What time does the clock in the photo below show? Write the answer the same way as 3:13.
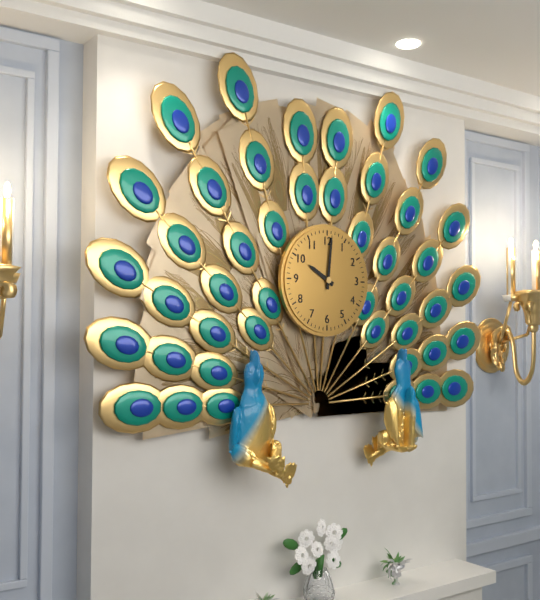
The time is 10:01
